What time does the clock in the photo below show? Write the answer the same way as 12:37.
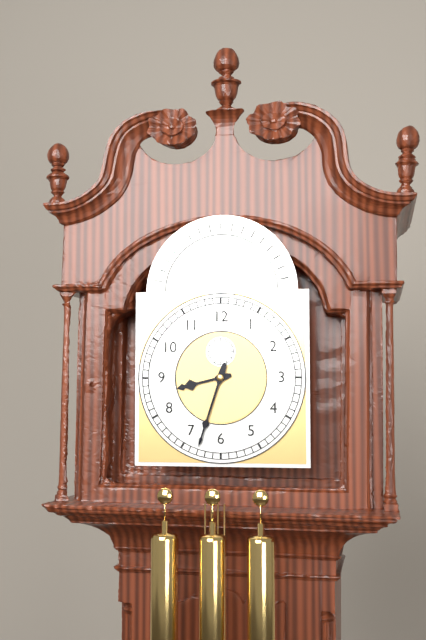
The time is 8:33
